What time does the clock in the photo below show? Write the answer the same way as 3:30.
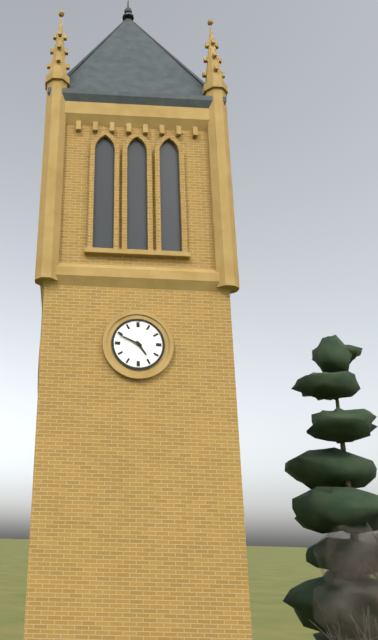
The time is 4:49
